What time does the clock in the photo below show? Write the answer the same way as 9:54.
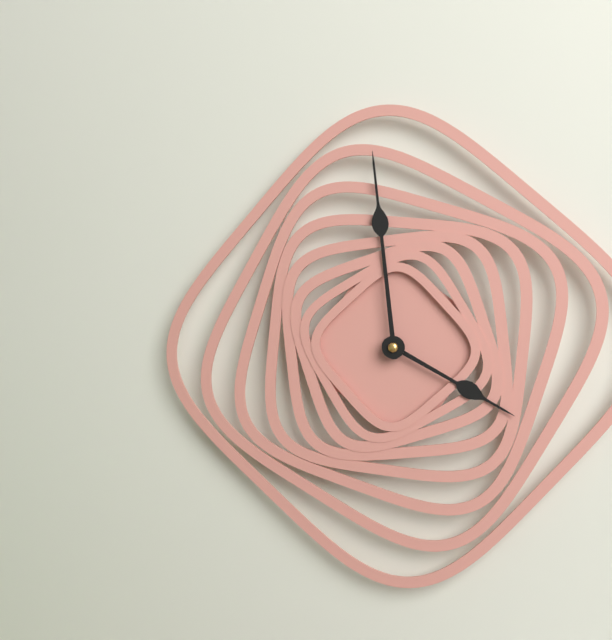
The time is 3:59
